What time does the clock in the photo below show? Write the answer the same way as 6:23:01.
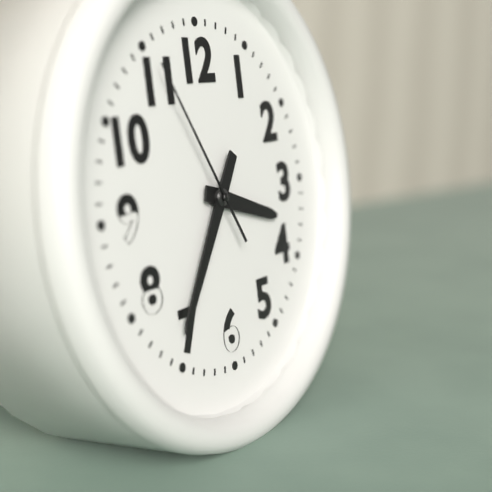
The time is 3:36:55
